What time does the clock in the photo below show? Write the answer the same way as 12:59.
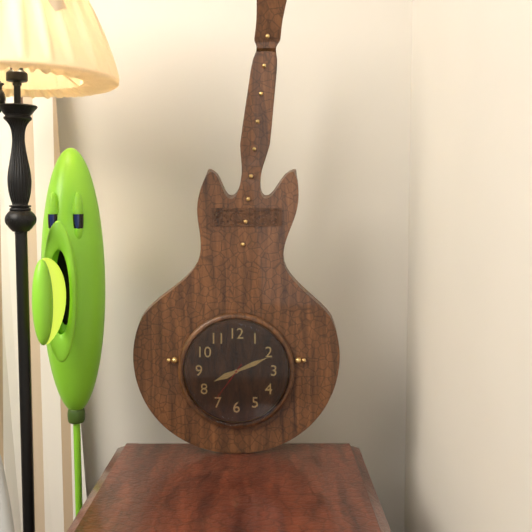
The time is 8:11
